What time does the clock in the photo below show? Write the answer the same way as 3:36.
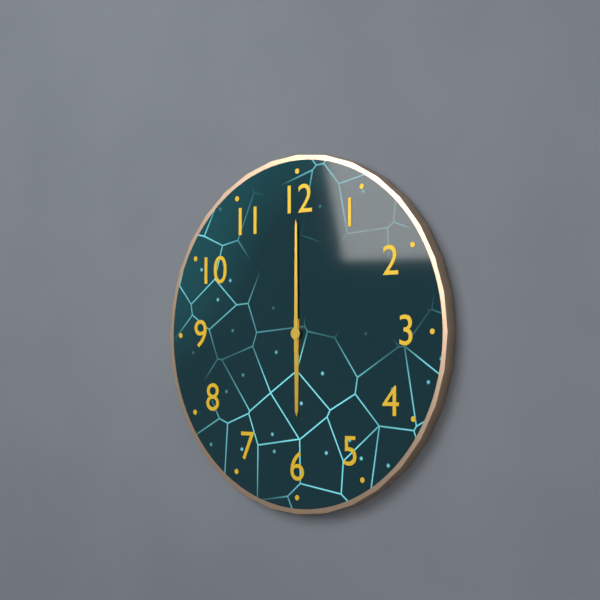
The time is 6:00
